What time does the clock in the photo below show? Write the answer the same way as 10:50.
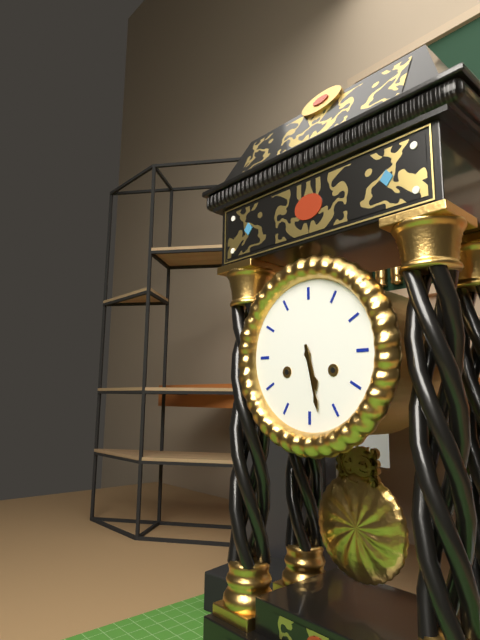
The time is 5:28
